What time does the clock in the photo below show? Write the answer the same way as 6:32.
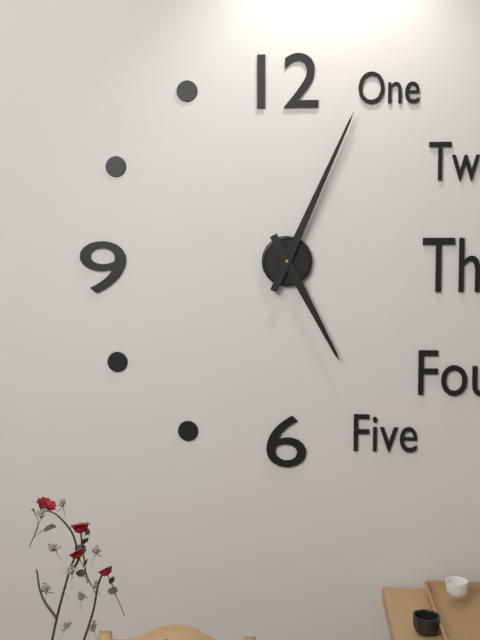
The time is 5:04
